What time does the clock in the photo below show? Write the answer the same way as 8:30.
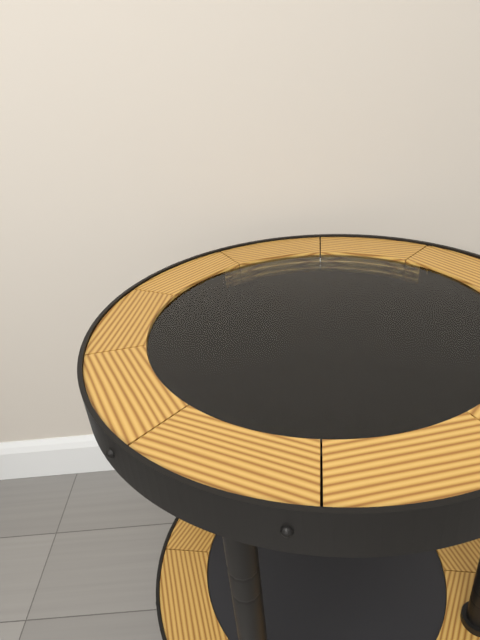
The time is 10:10
